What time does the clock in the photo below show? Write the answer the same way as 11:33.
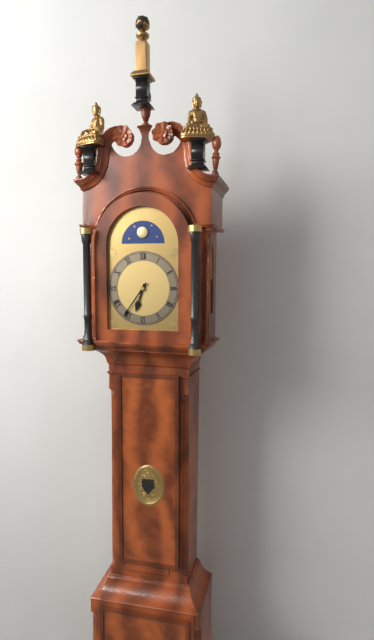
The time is 6:36
